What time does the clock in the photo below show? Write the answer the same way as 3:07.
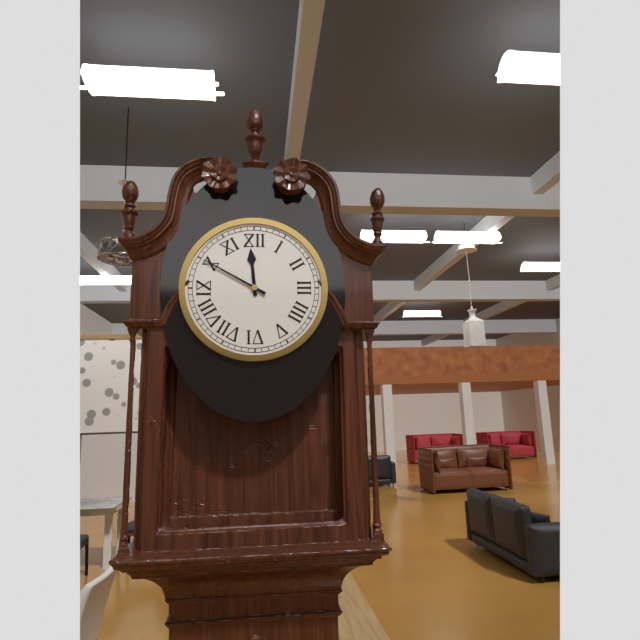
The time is 11:50
